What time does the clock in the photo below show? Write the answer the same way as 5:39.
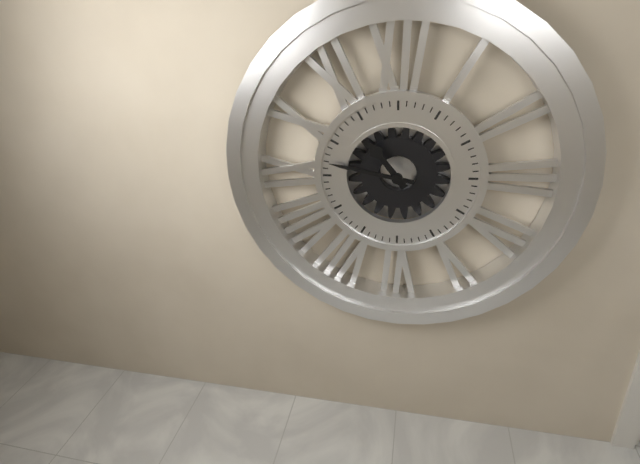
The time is 10:47
